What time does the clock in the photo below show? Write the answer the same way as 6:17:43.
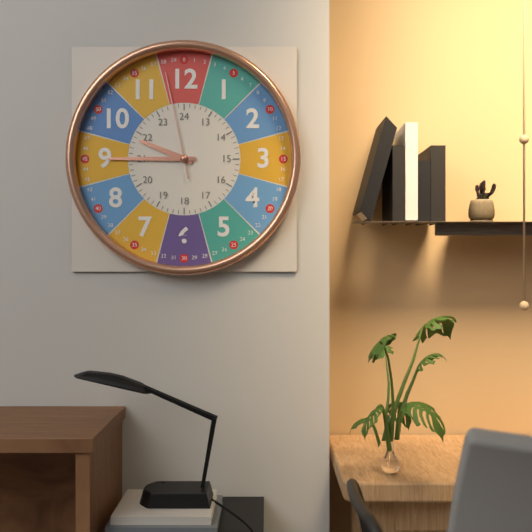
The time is 9:45:58
